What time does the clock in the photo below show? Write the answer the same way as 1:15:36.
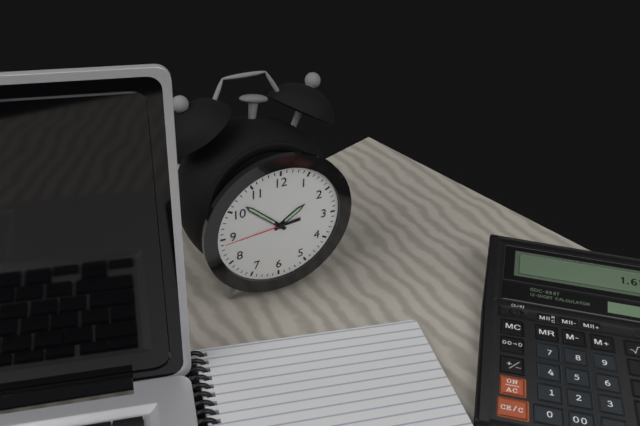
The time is 1:52:44
